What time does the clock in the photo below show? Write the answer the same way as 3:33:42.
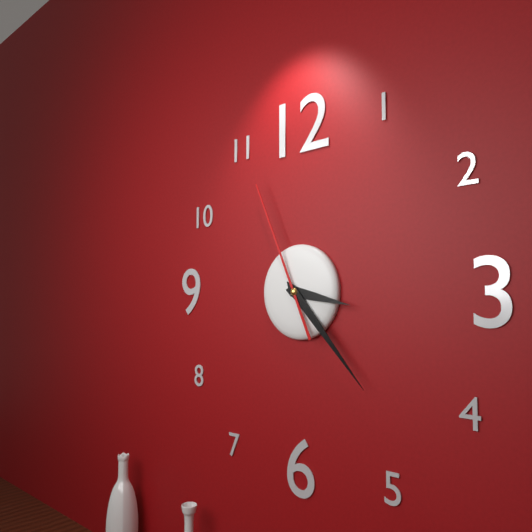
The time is 3:23:56
